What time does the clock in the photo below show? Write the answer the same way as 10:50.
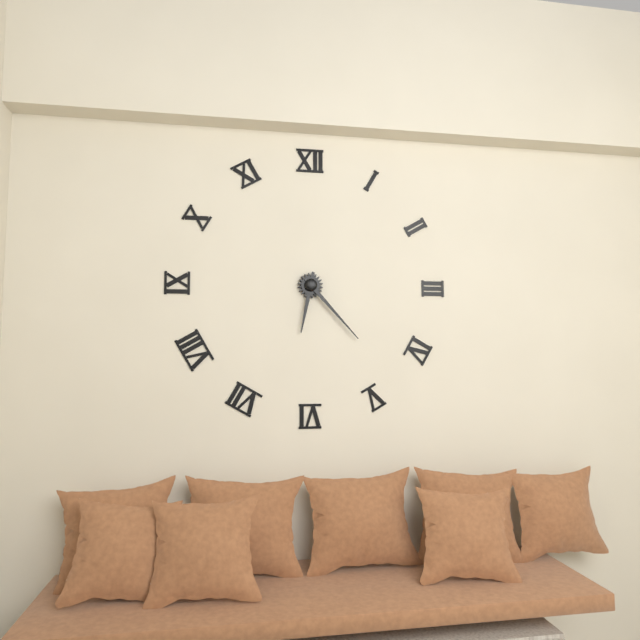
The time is 6:23
